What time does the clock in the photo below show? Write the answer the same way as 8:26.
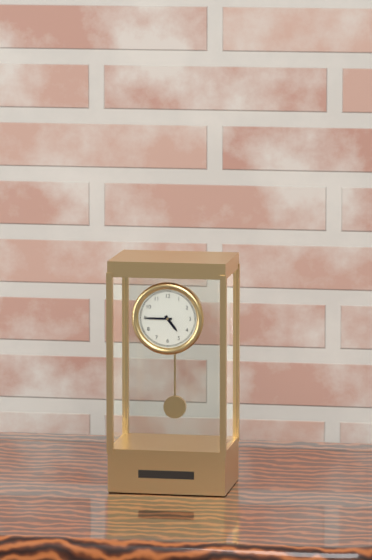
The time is 4:45
